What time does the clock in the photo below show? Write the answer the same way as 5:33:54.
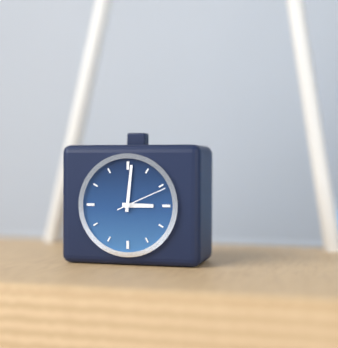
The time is 3:01:11
